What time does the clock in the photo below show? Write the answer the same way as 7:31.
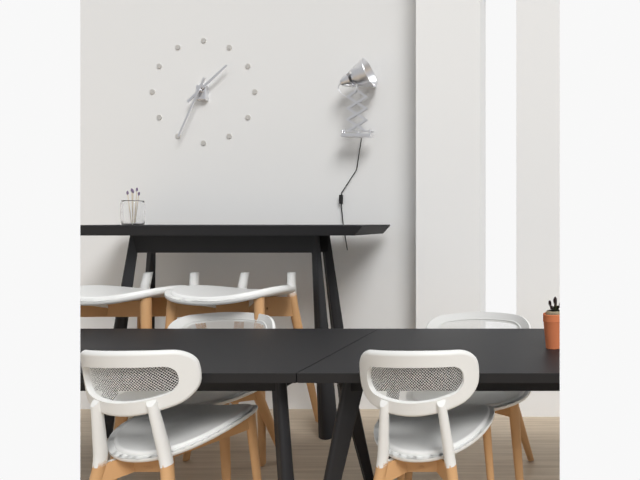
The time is 1:34
